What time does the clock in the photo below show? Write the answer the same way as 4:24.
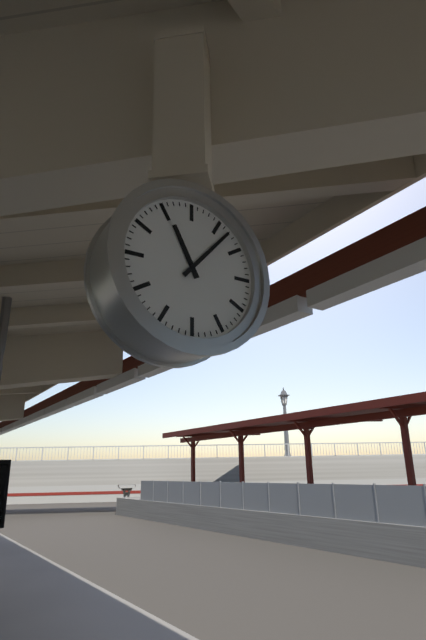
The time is 11:07
